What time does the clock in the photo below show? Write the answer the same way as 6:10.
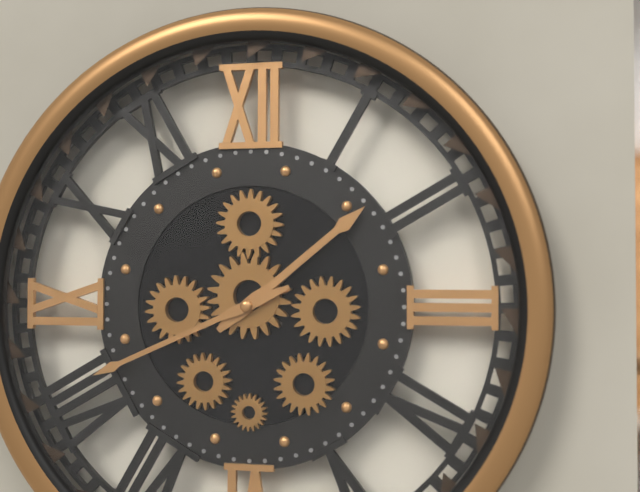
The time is 1:41
